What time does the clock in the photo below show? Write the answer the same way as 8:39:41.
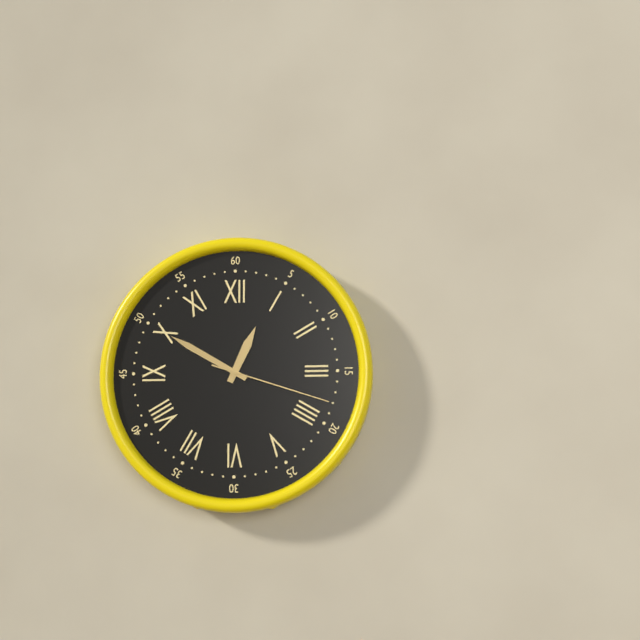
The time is 12:50:18
